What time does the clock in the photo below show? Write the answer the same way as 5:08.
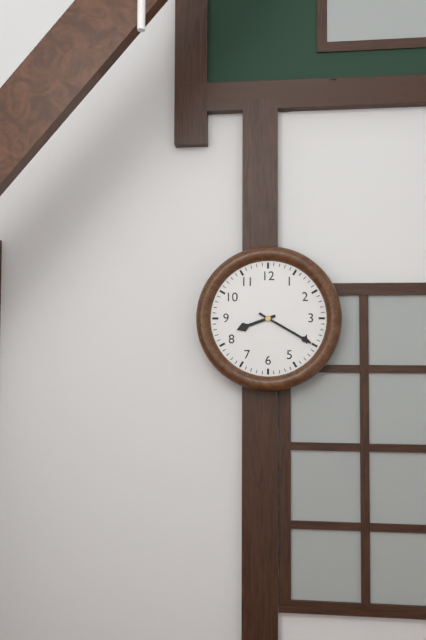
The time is 8:20
